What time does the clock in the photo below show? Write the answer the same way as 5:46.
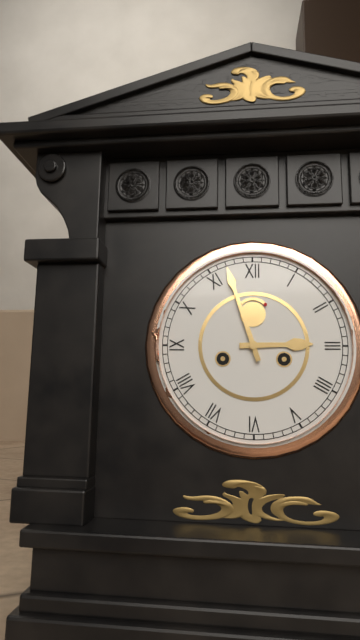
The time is 2:57
